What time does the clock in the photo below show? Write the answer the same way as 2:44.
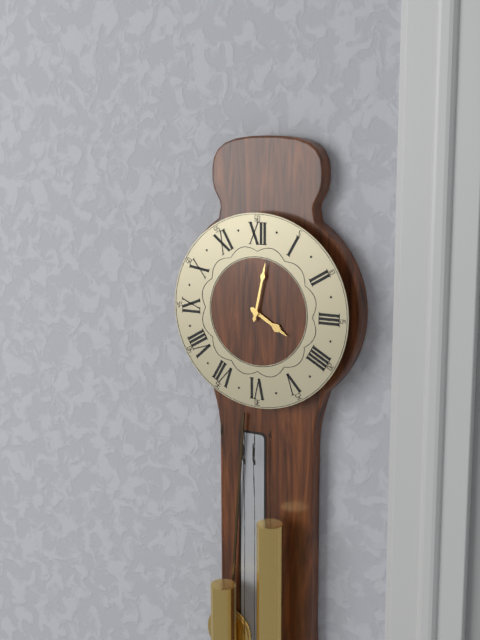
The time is 4:02
